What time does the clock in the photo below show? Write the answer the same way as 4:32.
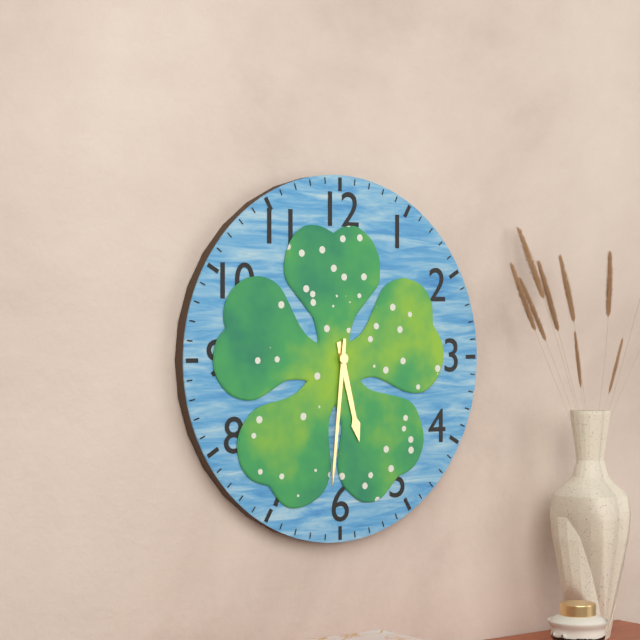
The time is 5:31
